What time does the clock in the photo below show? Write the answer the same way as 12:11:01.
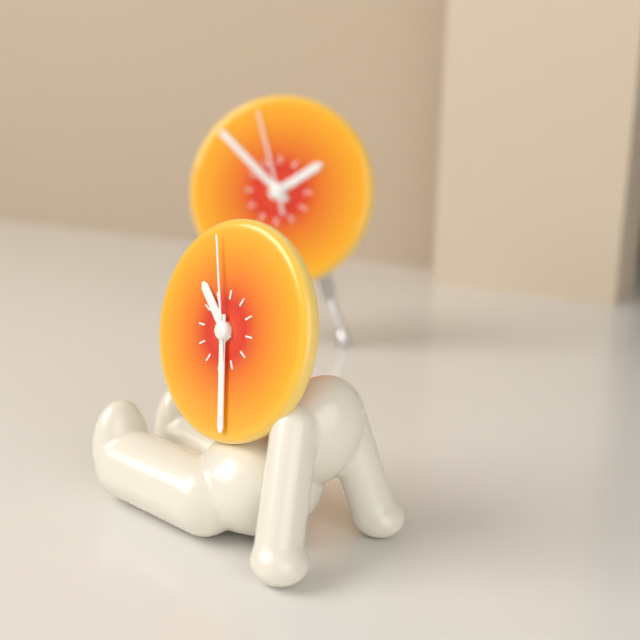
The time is 10:28:57
